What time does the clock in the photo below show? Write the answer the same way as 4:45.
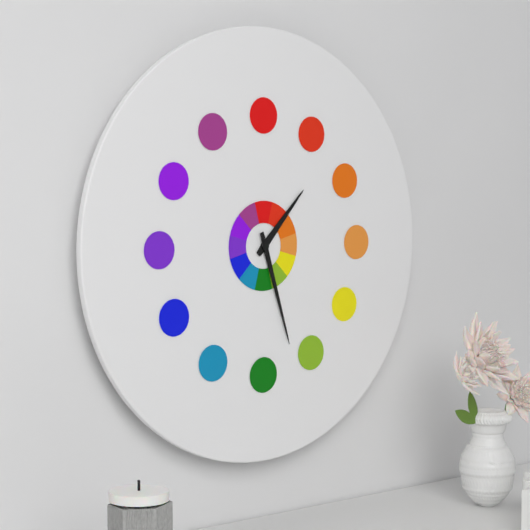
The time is 1:27
